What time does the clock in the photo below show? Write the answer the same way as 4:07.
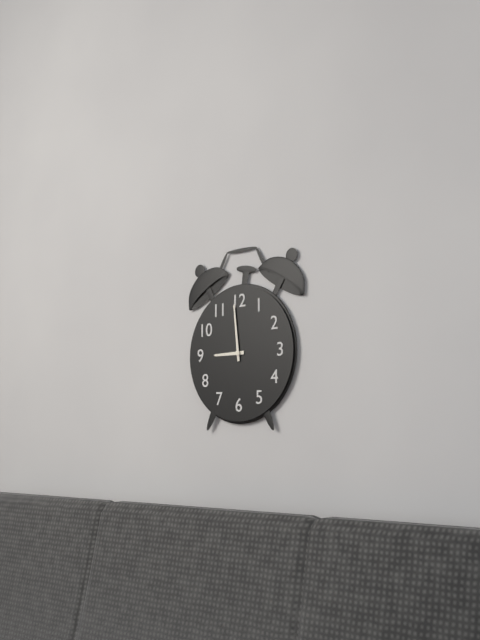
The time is 8:59
